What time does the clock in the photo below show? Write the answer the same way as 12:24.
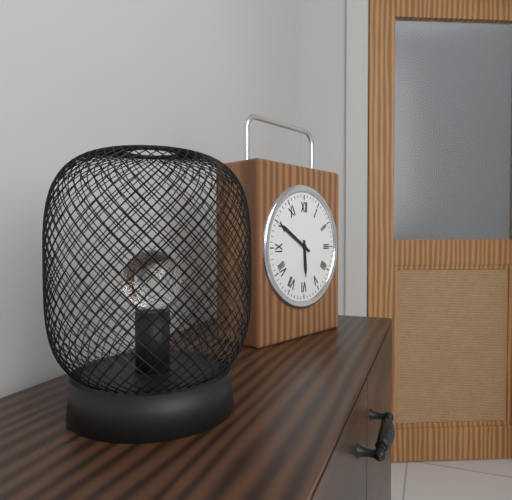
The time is 5:50
